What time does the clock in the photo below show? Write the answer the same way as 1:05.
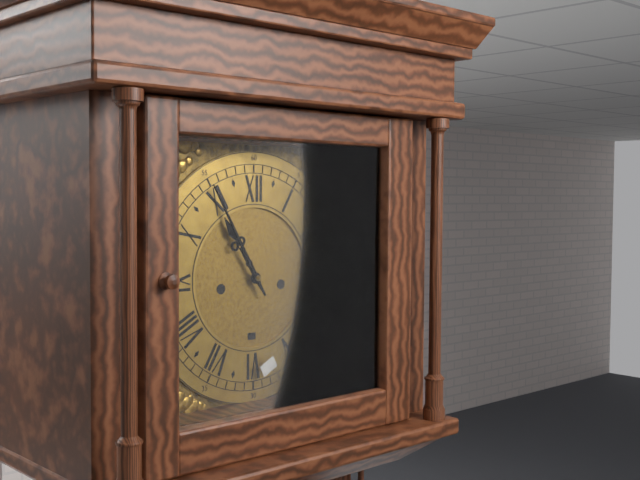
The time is 10:55
